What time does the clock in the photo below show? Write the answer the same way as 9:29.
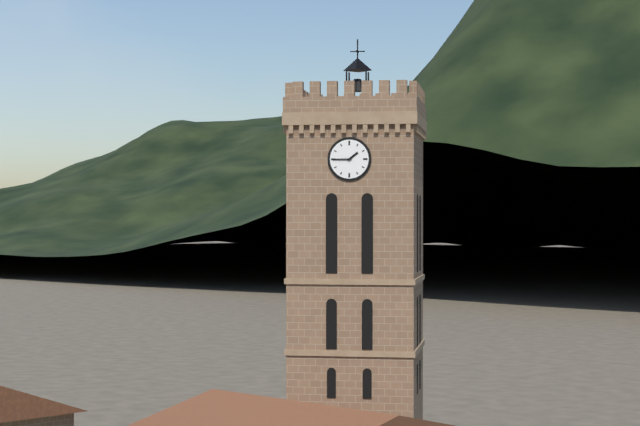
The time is 1:45
